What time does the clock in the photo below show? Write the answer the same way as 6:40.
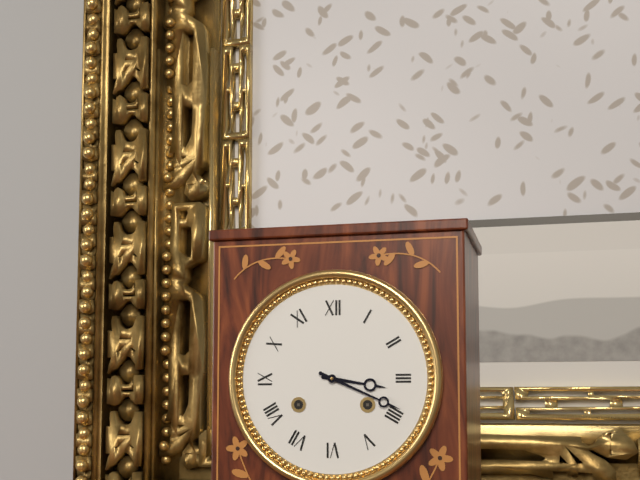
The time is 3:19
